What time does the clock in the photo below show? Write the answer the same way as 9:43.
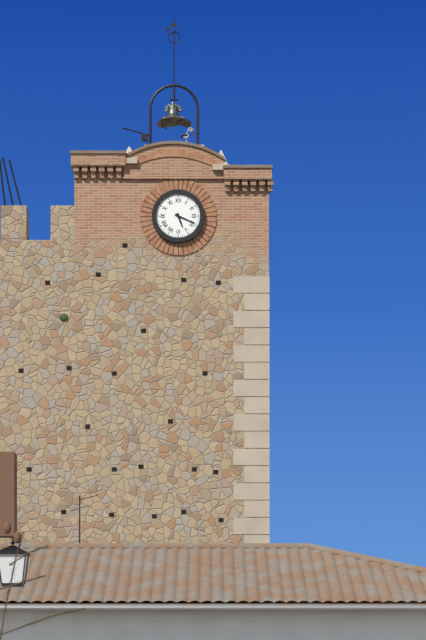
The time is 5:19
